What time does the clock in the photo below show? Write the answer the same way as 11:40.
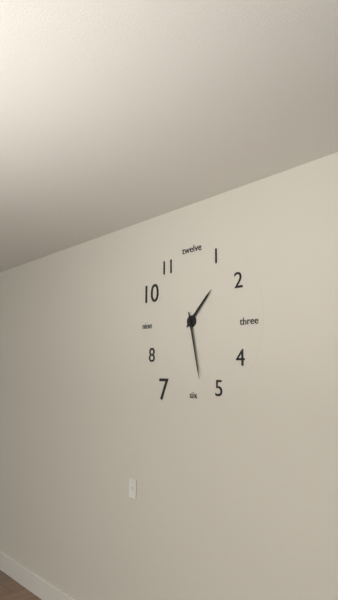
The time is 1:28
